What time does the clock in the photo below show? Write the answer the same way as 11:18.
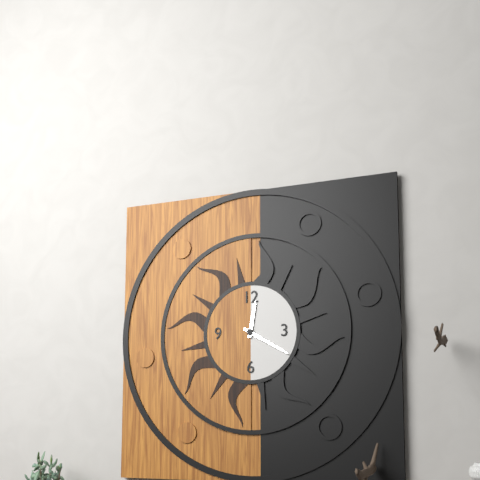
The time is 12:20
